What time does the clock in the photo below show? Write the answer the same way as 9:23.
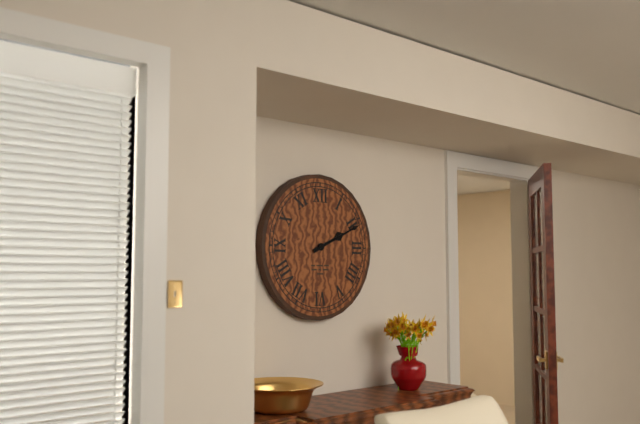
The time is 2:11
